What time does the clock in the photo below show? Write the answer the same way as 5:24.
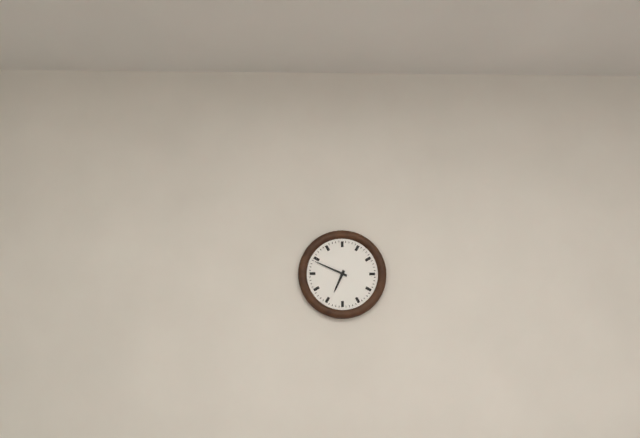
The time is 6:49
